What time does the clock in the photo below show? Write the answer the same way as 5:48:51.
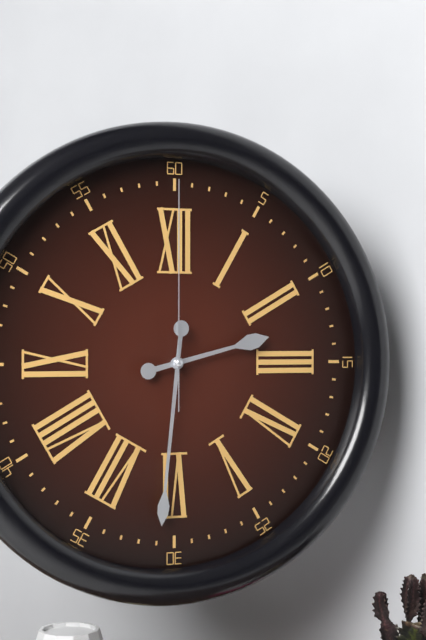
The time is 2:31:00
